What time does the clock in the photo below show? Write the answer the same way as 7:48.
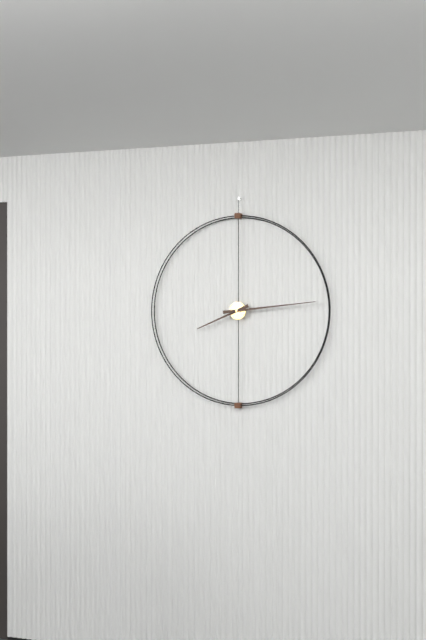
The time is 8:14
